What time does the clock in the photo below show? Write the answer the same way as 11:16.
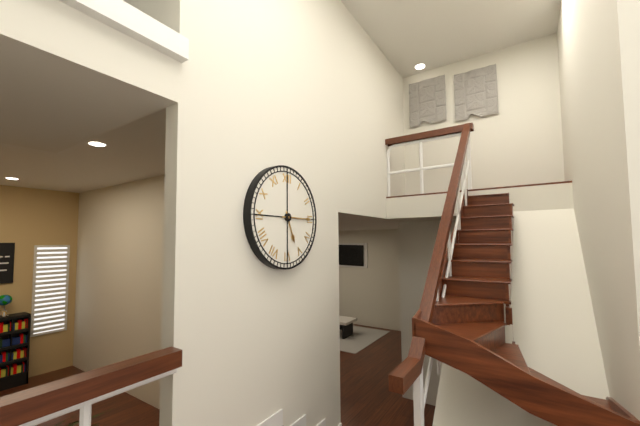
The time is 5:15
